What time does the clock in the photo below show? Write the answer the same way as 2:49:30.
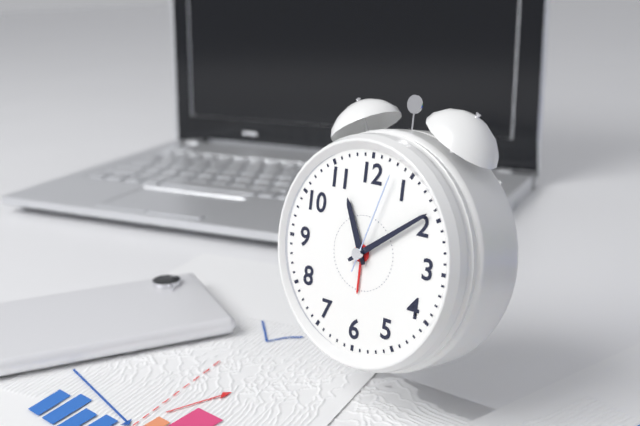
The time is 11:09:03
